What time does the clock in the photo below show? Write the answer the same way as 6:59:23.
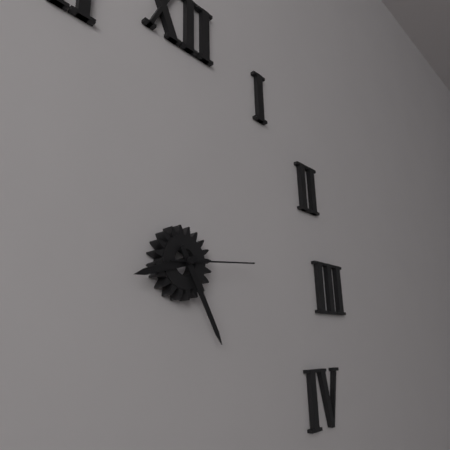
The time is 8:25:14
